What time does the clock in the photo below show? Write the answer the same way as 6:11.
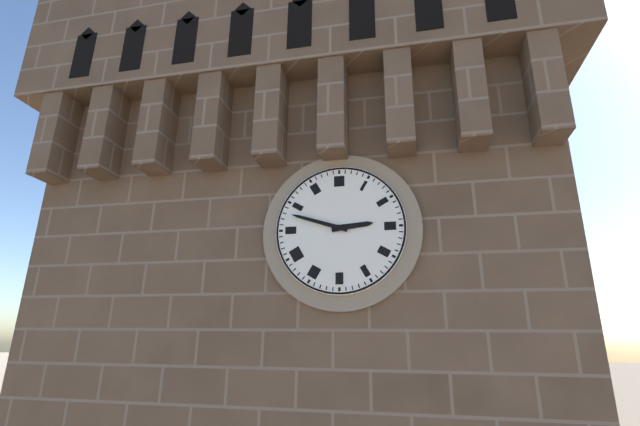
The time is 2:48
